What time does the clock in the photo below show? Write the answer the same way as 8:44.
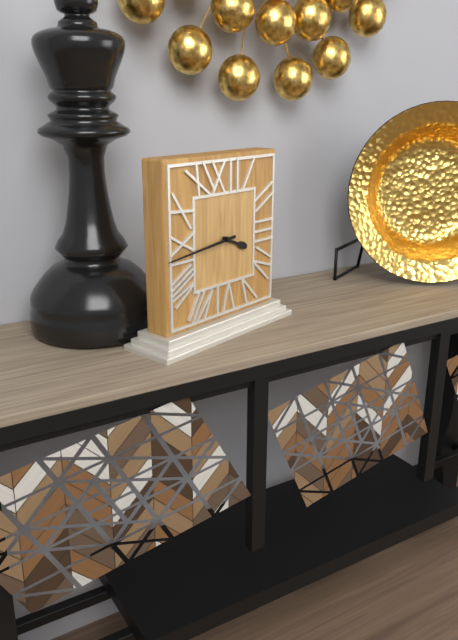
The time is 3:44
